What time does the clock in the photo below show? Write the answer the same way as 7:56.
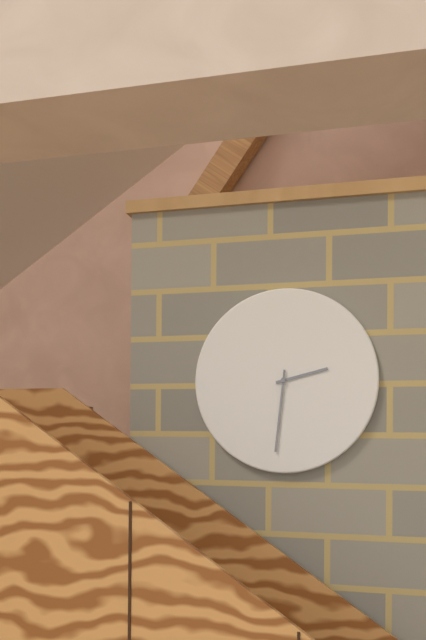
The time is 2:31
